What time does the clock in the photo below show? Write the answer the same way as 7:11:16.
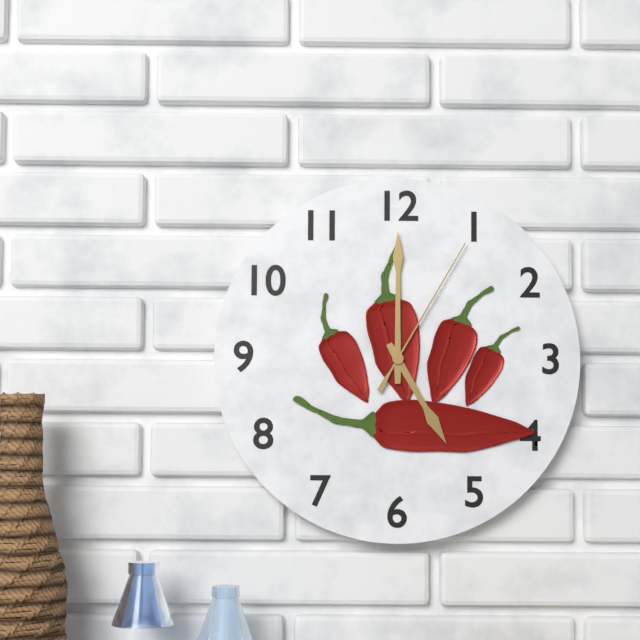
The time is 5:00:05
